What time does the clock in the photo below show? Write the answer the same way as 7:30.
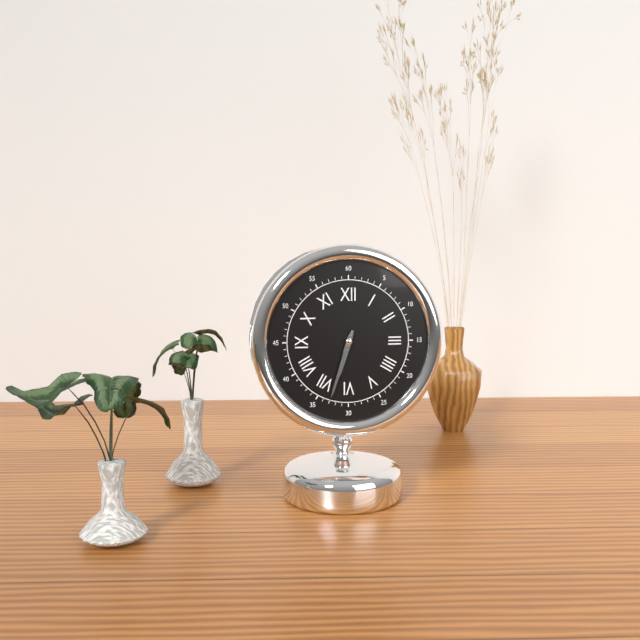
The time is 6:33
